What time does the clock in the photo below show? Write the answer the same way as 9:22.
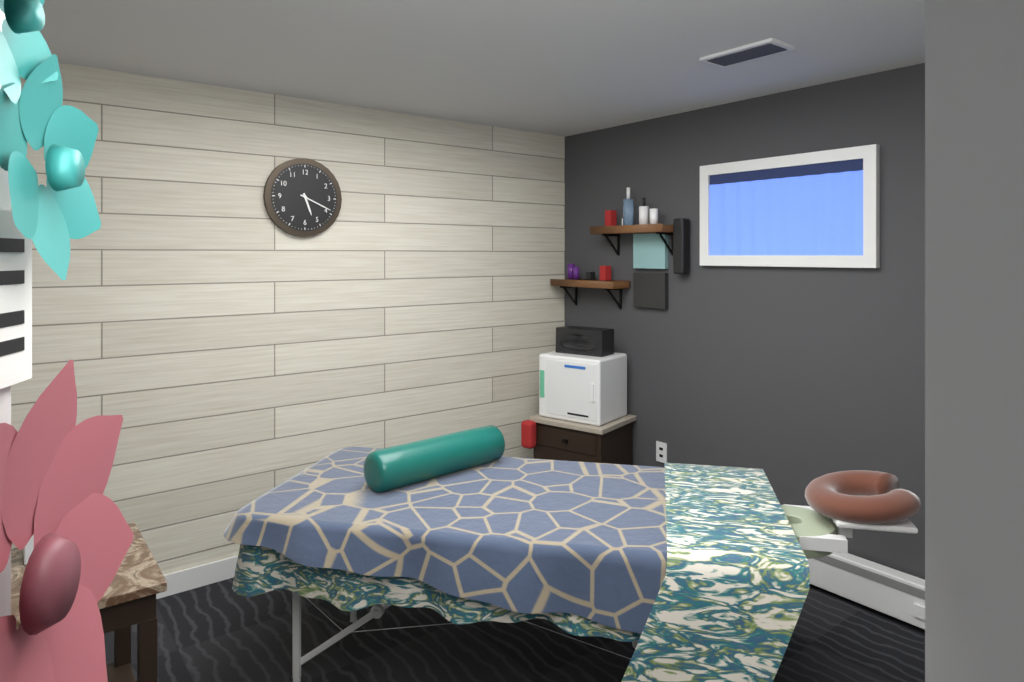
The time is 5:19
